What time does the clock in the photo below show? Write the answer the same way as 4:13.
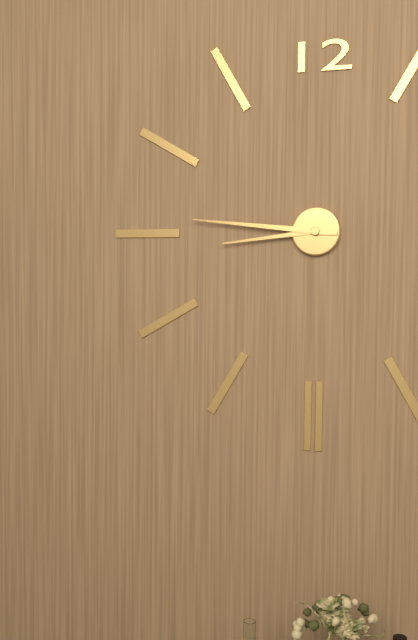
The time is 8:46
